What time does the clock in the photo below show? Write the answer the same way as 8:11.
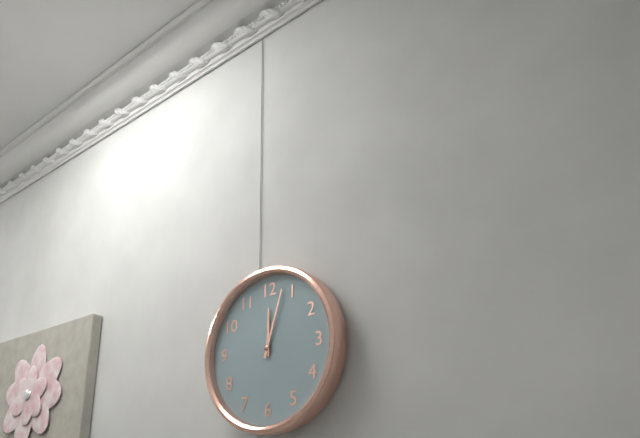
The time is 12:03
